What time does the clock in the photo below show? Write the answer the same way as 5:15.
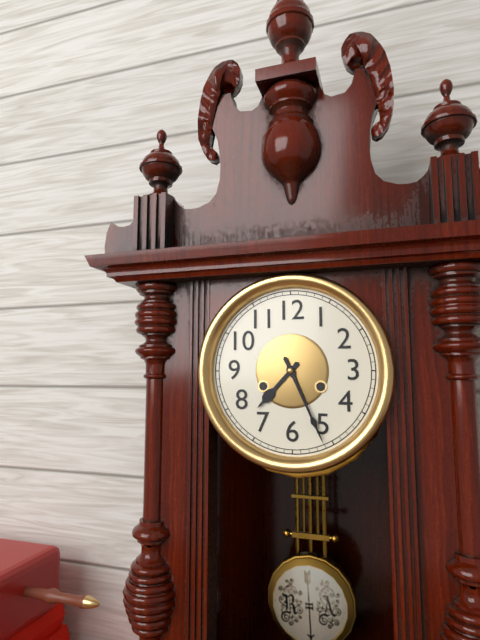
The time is 7:26
